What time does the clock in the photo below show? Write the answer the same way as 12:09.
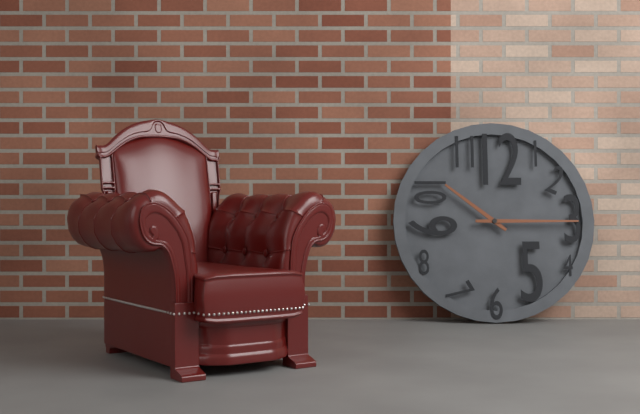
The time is 10:15
